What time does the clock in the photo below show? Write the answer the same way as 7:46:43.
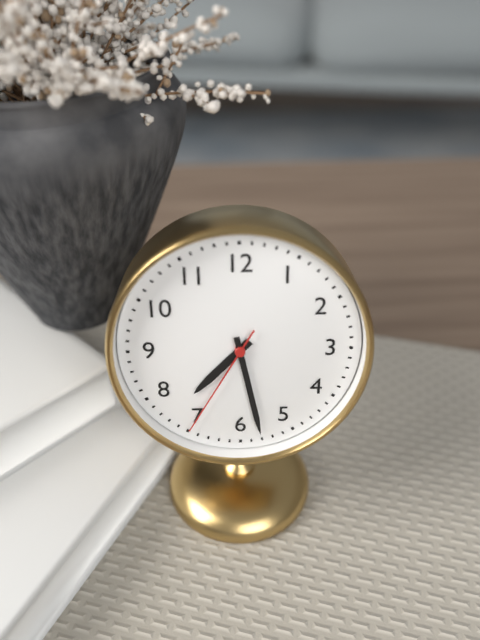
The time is 7:28:35
